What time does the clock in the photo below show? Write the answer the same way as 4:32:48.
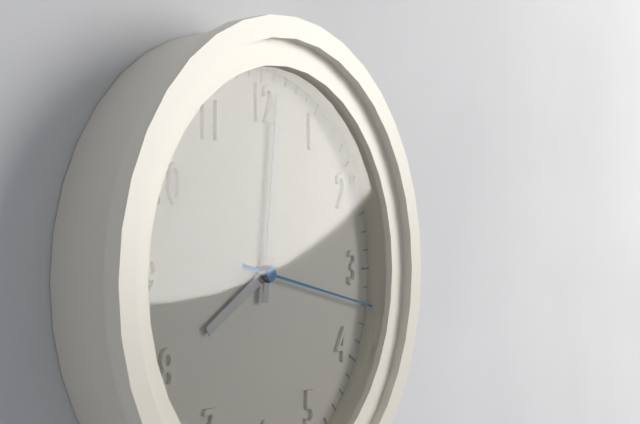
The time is 8:01:17
